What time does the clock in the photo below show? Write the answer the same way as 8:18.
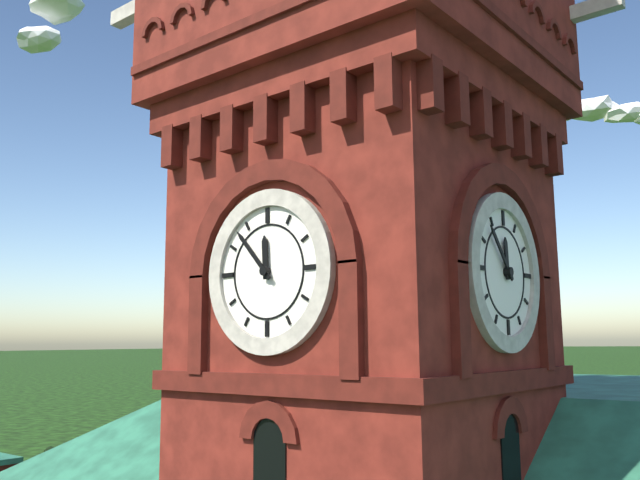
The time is 11:53
